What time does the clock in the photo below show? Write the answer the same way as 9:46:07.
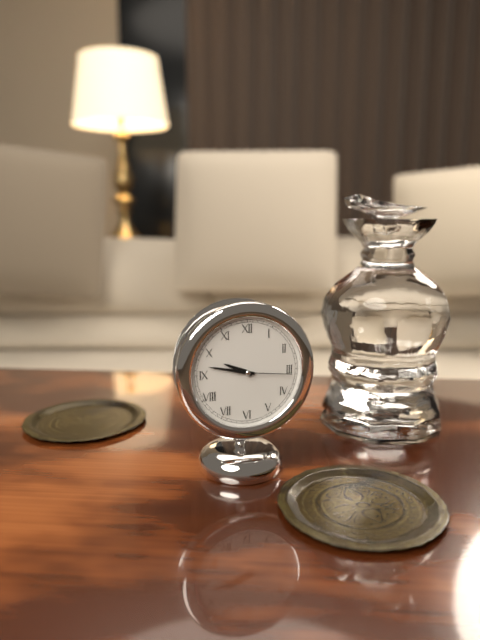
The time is 9:47:16
